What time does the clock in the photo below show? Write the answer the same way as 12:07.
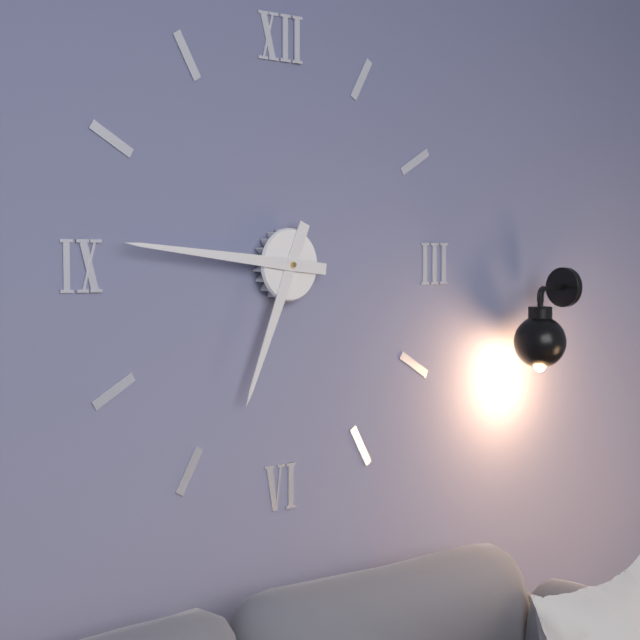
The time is 6:46
